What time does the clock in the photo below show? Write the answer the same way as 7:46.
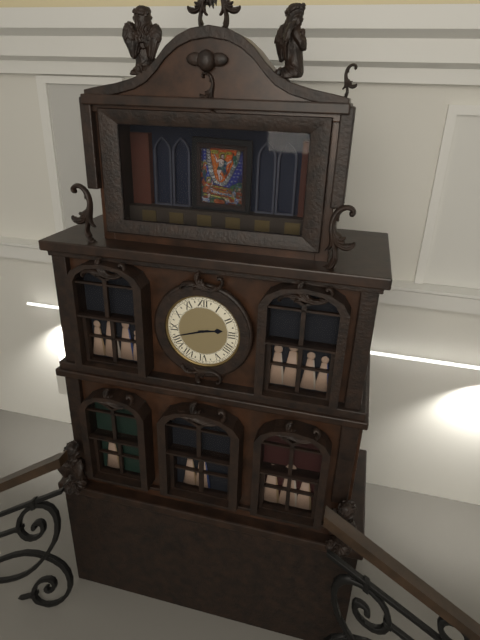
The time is 2:42
